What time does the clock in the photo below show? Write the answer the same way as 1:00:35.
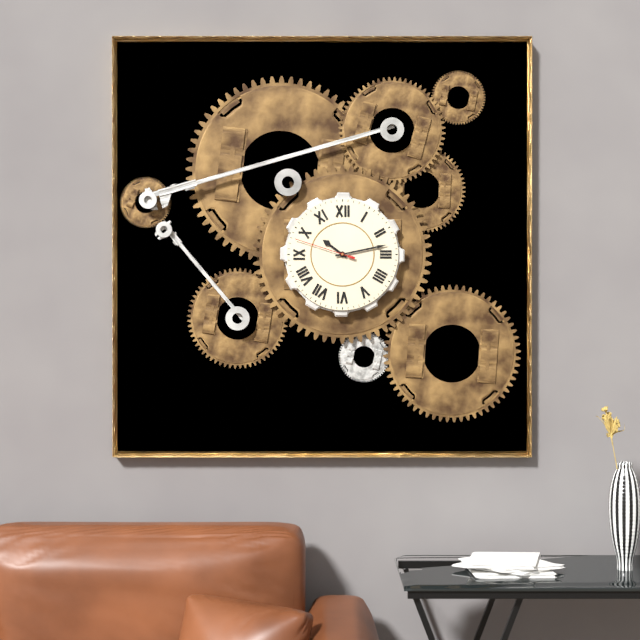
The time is 10:13:48
